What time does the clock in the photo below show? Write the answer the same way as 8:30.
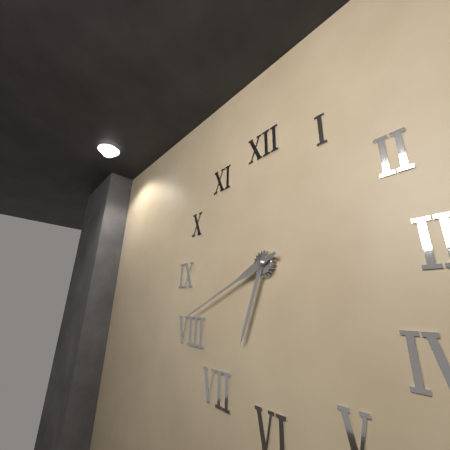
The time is 6:41
